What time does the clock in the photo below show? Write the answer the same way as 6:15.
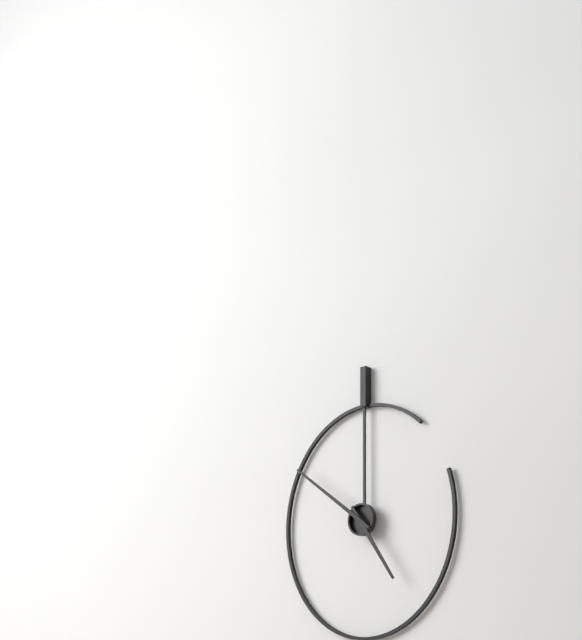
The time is 4:51
